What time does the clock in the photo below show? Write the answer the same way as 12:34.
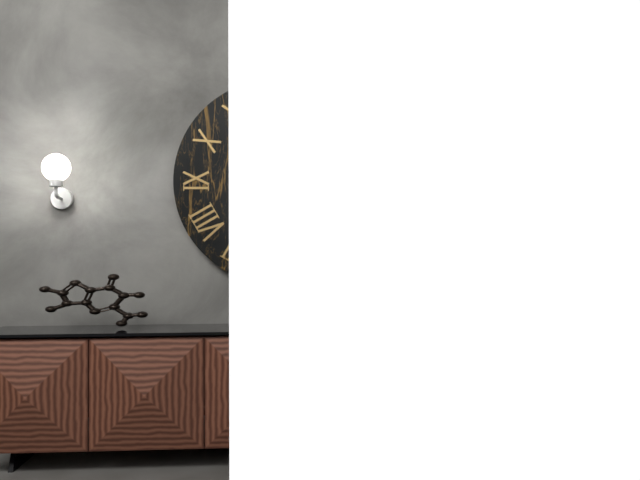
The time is 3:53
